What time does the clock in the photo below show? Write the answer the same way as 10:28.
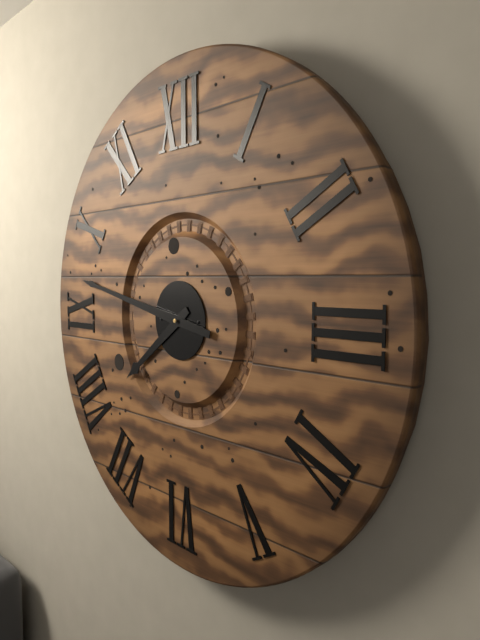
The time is 7:47
